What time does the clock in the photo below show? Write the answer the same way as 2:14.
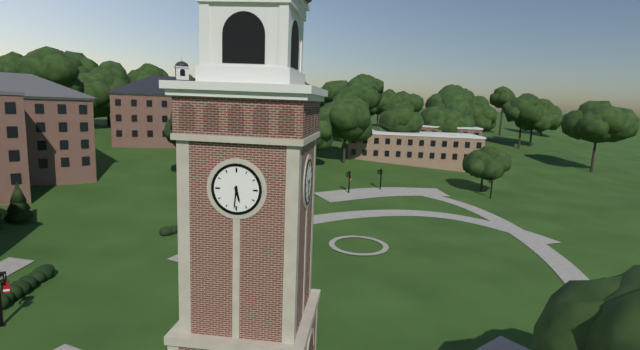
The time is 5:31
